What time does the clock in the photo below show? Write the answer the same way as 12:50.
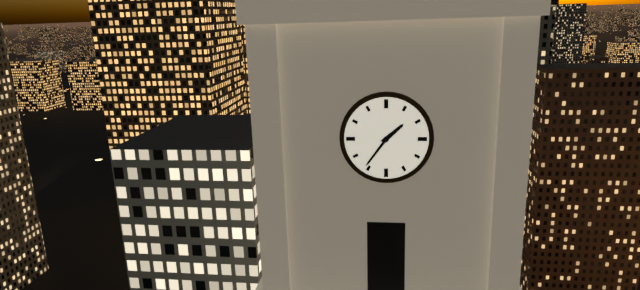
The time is 1:36
